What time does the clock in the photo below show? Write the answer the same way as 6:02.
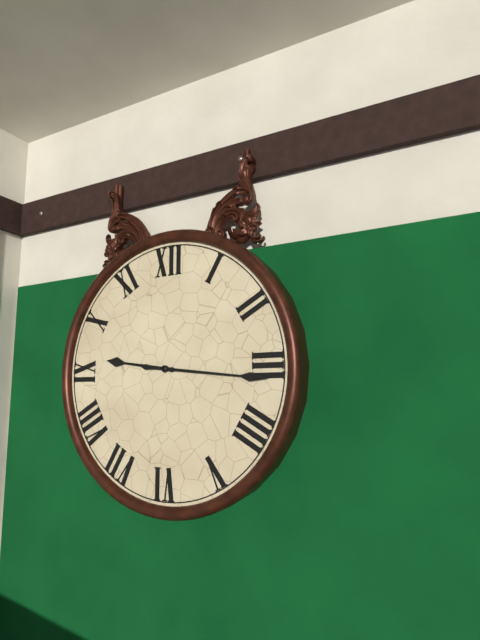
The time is 9:16
